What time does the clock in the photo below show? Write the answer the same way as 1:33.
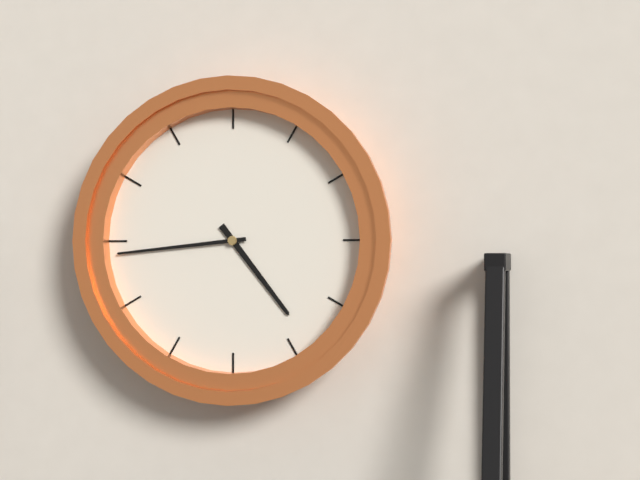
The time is 4:44
